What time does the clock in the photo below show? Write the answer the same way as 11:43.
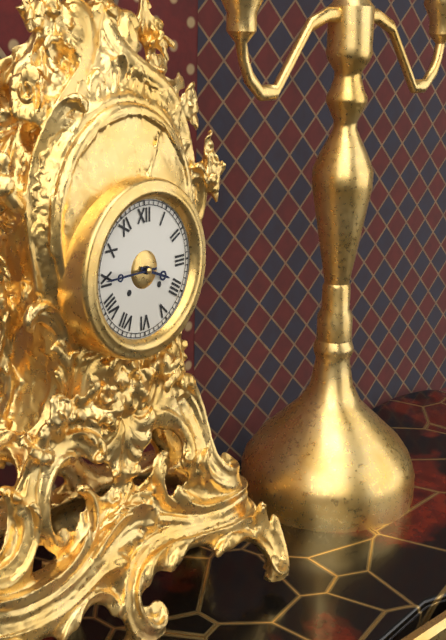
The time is 3:45
